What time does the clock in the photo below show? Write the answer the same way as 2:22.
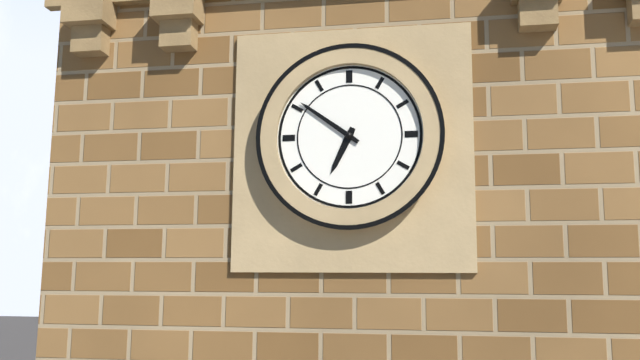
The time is 6:51
